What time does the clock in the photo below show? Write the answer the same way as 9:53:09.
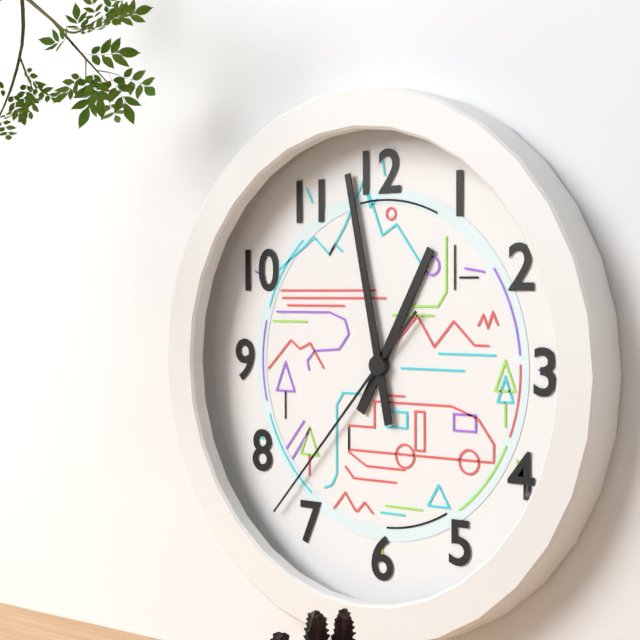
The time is 12:58:37
